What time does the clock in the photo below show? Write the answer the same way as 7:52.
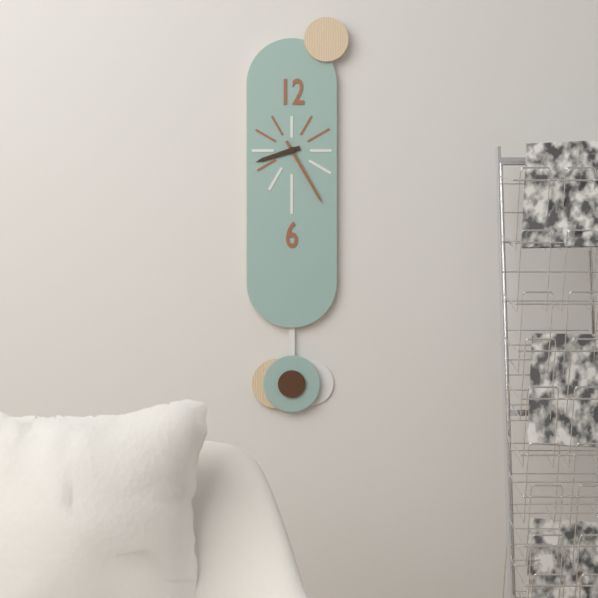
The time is 8:25
